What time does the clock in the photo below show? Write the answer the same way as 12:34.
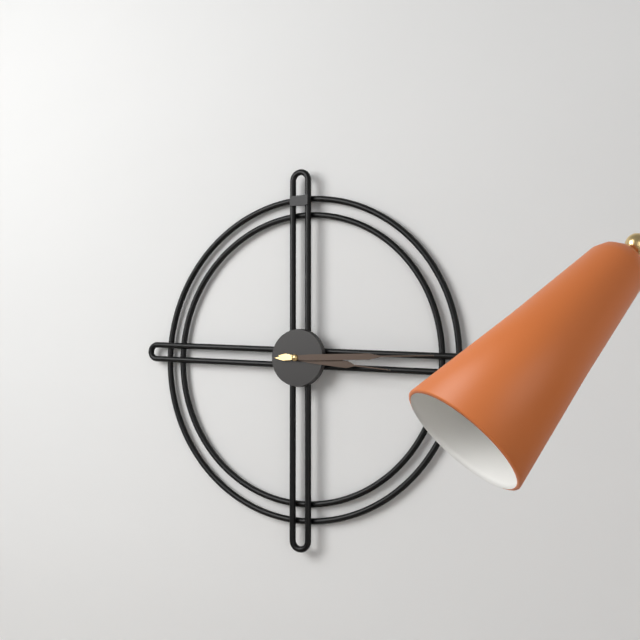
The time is 3:15
